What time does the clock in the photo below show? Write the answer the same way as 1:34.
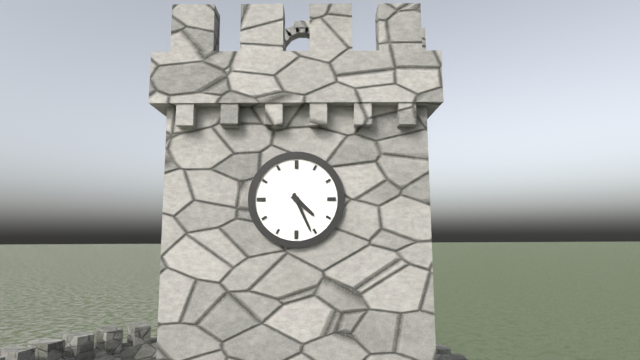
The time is 4:26
